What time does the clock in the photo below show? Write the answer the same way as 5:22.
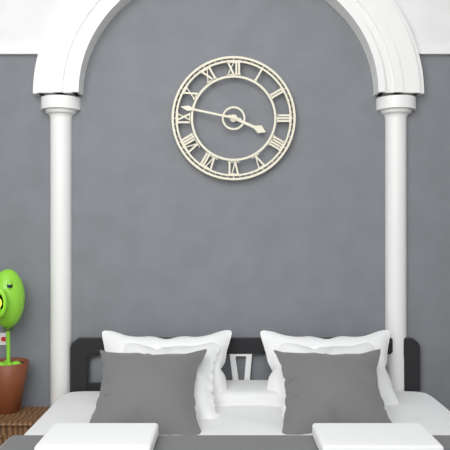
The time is 3:47
